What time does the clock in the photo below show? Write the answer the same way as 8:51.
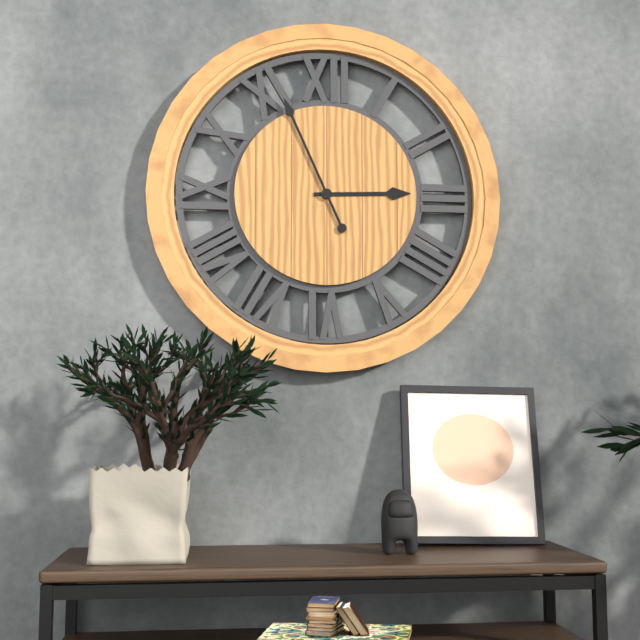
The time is 2:56
